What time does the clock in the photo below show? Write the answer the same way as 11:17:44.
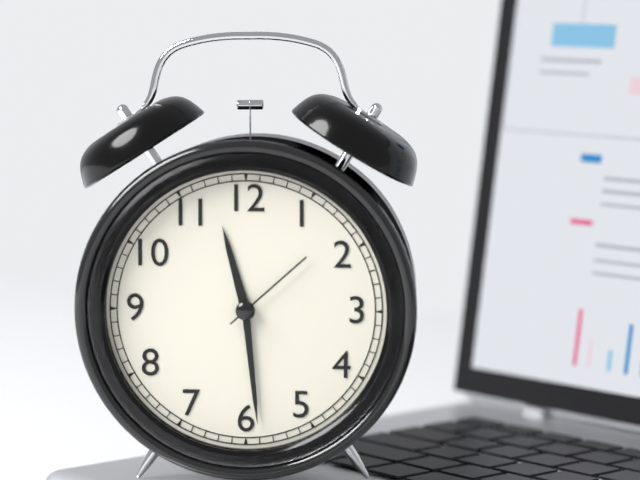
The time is 11:29:08
